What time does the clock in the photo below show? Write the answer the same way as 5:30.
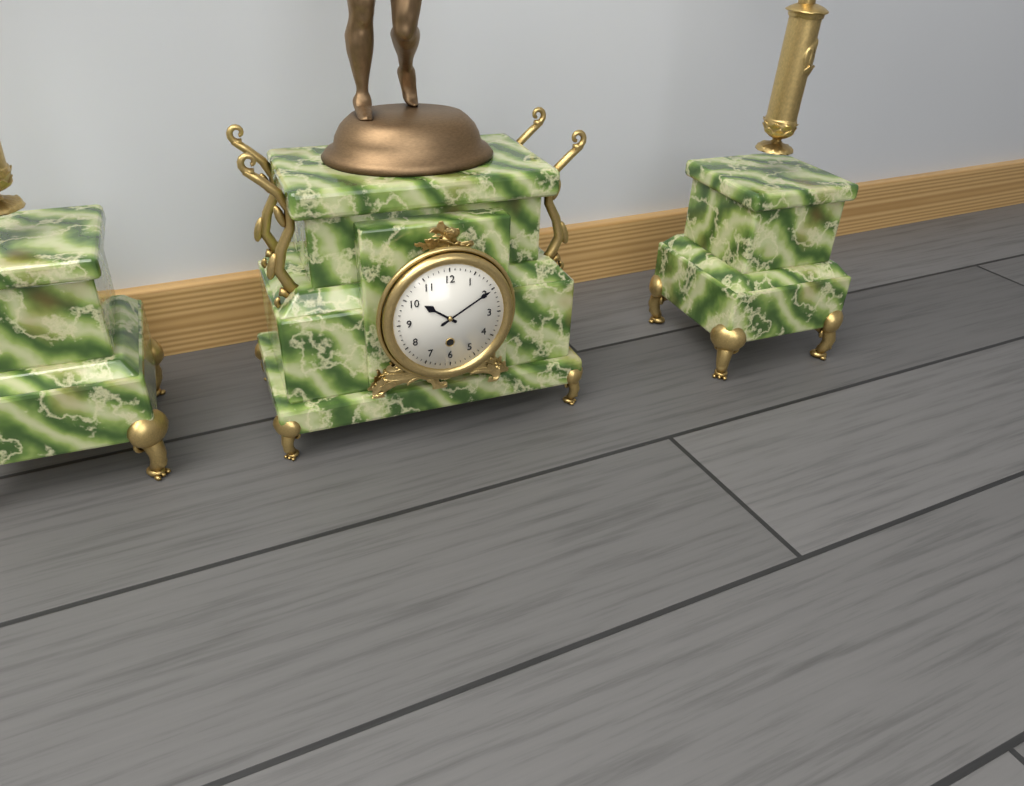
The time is 10:10
